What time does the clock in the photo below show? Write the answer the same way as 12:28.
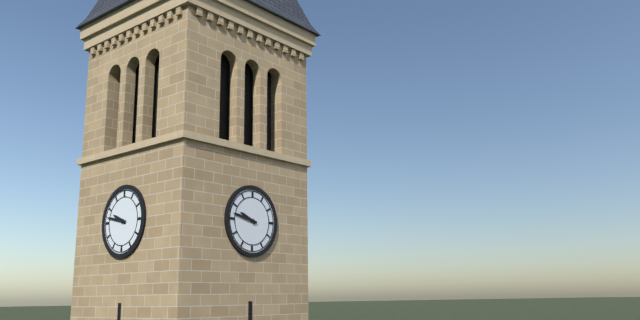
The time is 9:47
